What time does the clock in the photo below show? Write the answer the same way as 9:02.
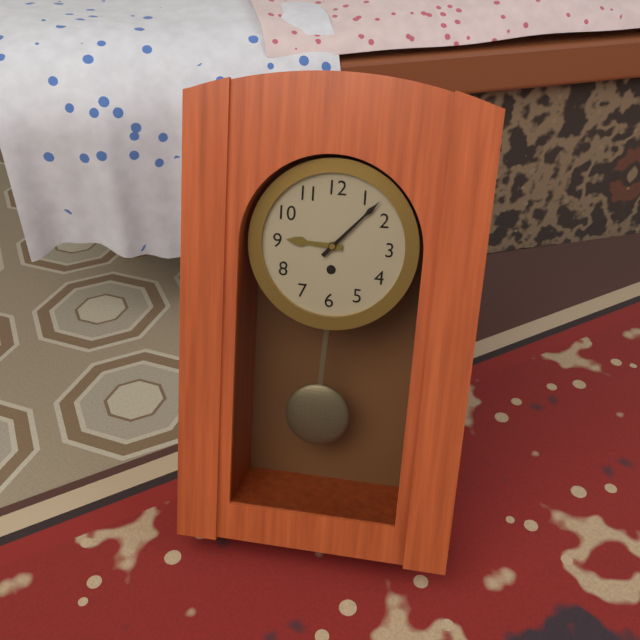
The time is 9:07
